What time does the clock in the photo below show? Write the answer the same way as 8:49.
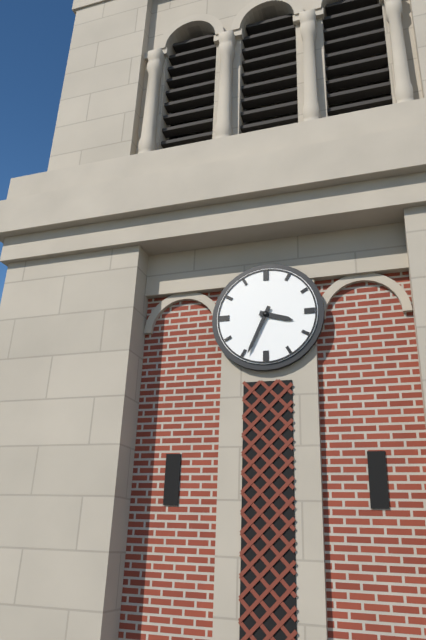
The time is 3:34
